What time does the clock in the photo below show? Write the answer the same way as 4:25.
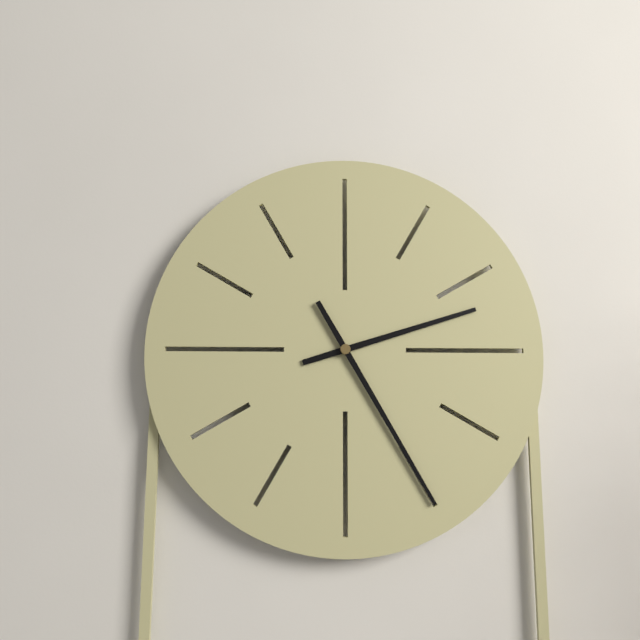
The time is 2:25
